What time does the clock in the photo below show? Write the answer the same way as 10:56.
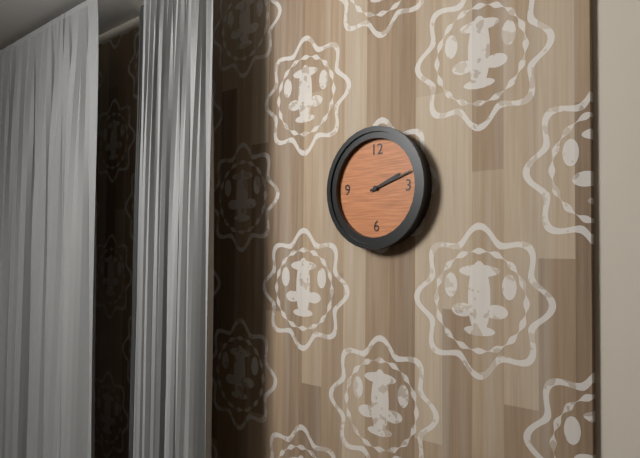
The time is 2:12
